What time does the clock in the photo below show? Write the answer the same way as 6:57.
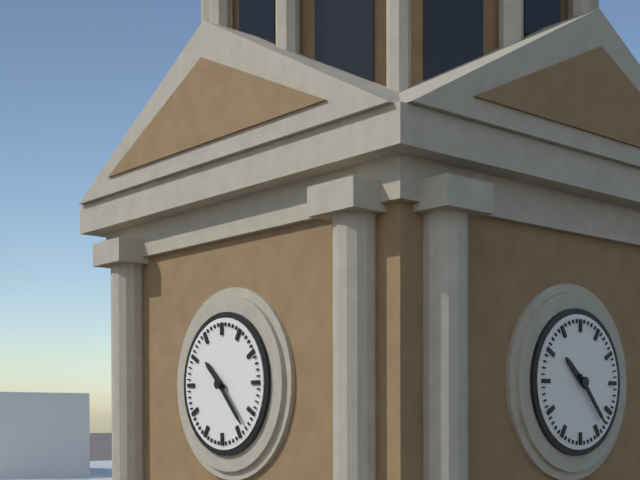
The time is 10:23
